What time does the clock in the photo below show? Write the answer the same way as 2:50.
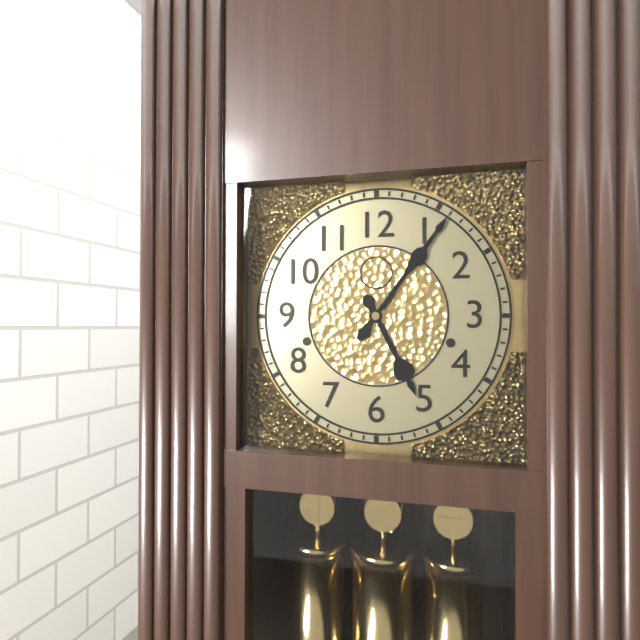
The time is 5:06
